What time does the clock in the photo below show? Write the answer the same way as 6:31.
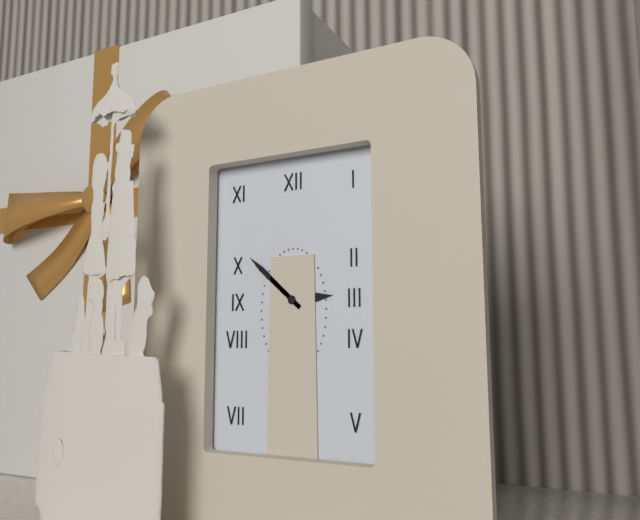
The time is 2:52
